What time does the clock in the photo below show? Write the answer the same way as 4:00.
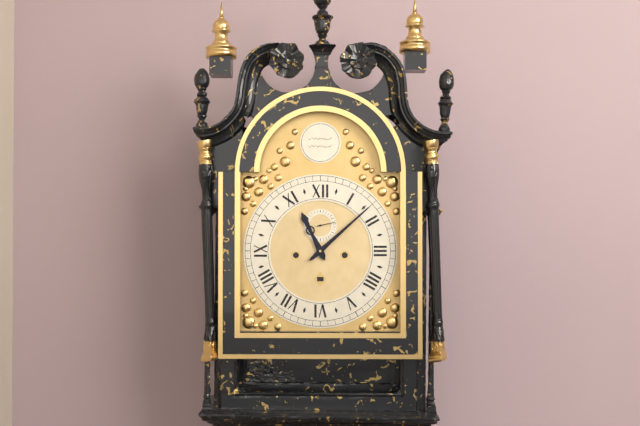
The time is 11:08
